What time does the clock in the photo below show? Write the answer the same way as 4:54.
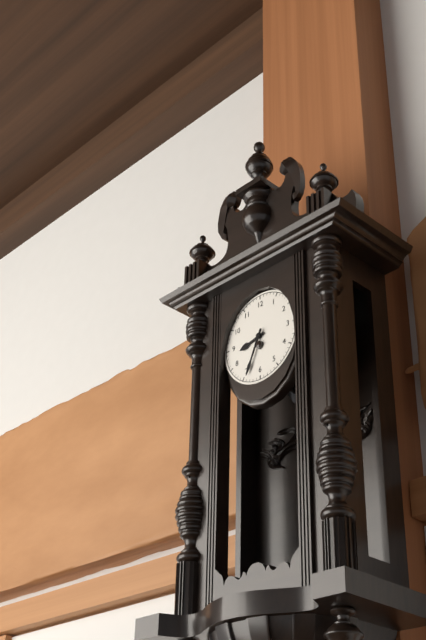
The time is 8:34
